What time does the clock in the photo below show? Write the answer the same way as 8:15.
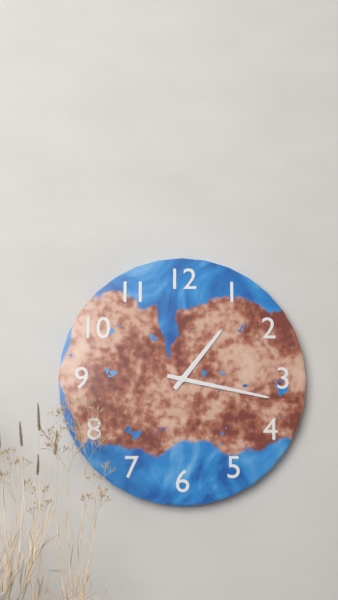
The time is 1:17
